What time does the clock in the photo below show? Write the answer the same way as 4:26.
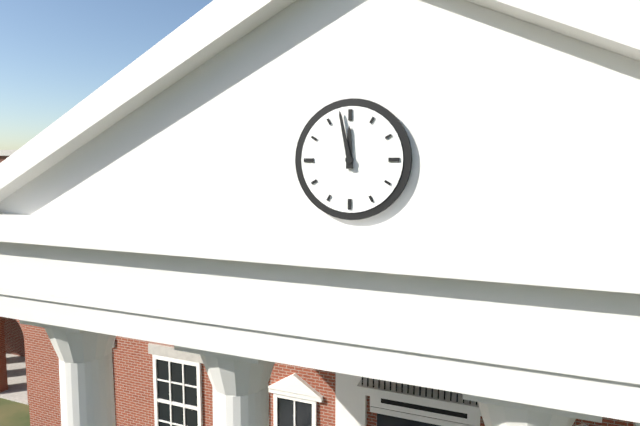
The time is 11:58
